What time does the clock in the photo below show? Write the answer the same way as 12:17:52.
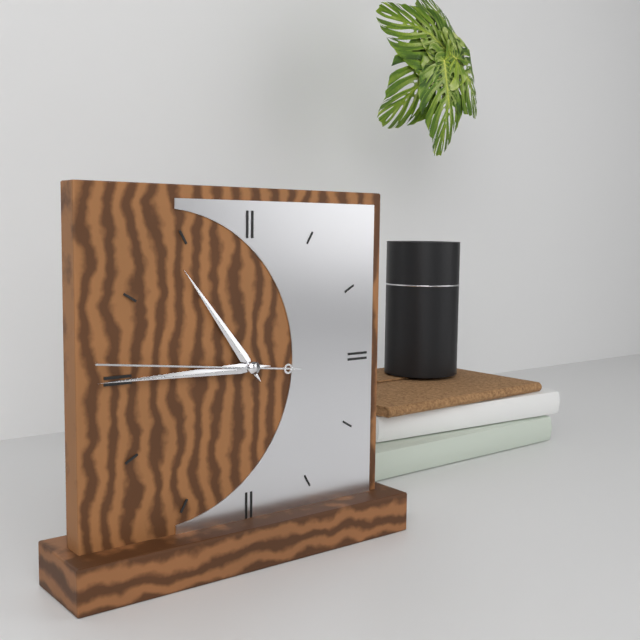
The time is 10:45:46
